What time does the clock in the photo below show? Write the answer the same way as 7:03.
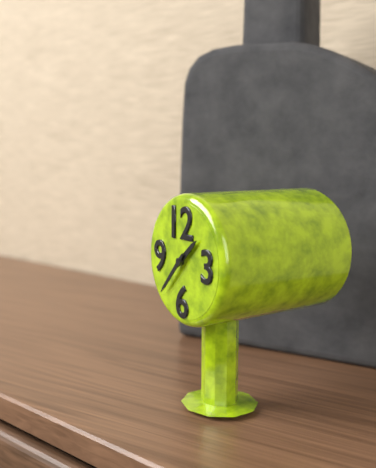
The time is 1:37
